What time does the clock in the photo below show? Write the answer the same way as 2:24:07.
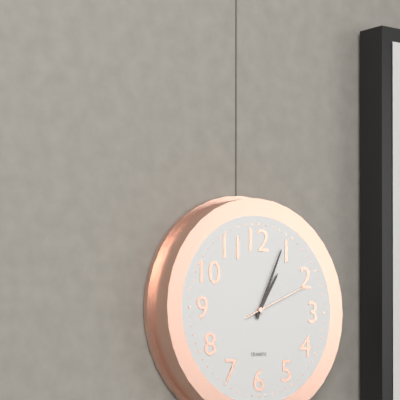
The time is 1:04:11
